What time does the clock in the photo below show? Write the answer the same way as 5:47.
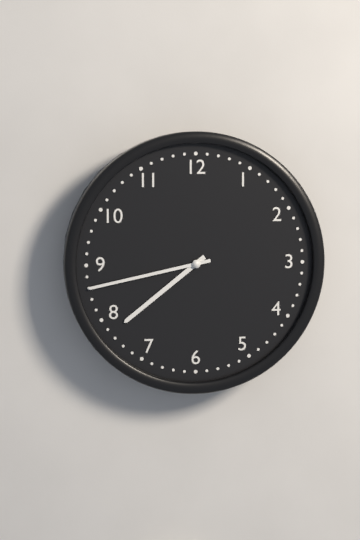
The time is 7:43
